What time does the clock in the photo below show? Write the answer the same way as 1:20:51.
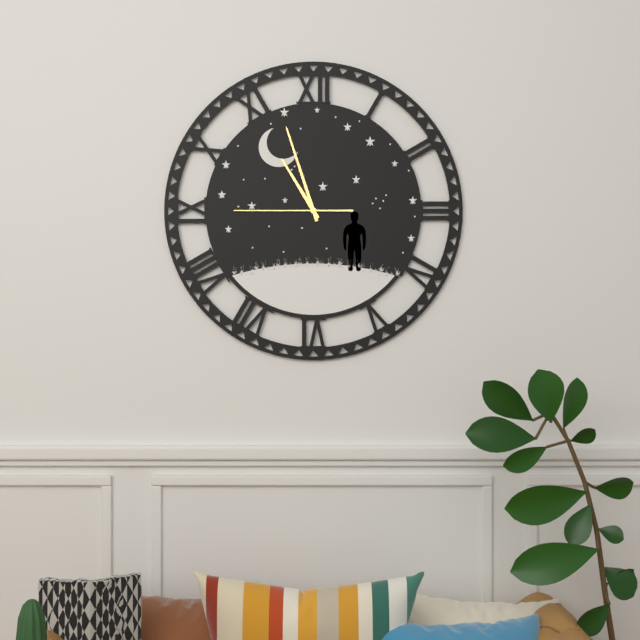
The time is 10:57:45
